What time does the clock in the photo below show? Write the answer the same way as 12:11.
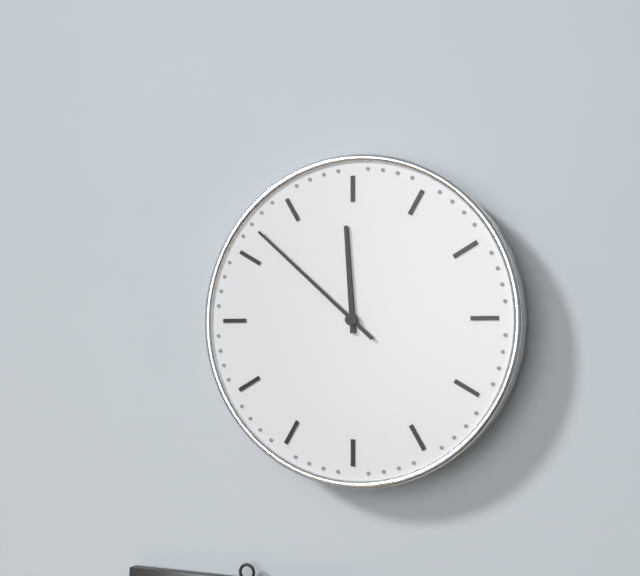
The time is 11:52
